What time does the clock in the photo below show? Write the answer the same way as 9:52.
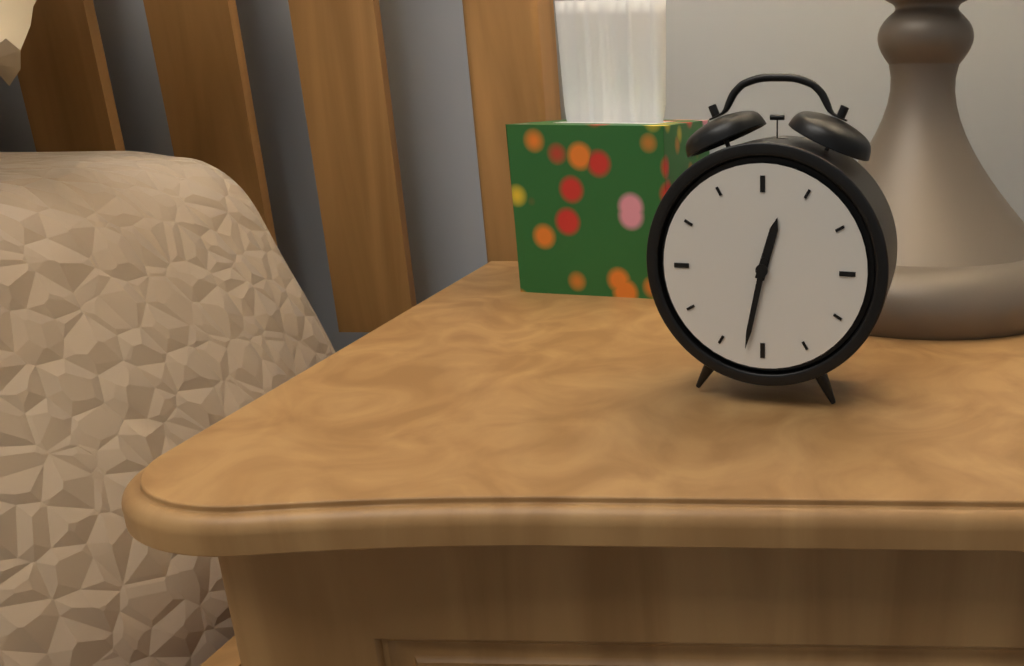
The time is 12:32
